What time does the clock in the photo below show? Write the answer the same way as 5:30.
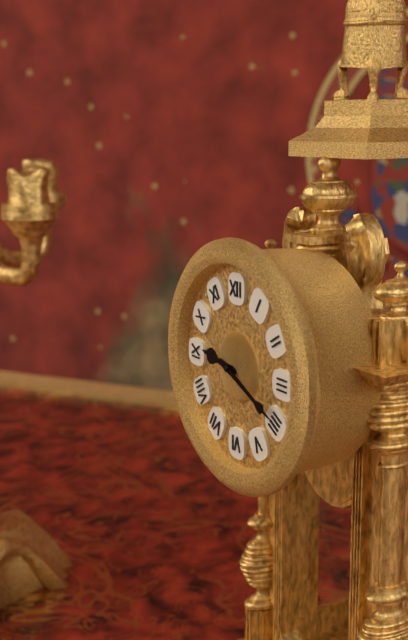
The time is 9:19
